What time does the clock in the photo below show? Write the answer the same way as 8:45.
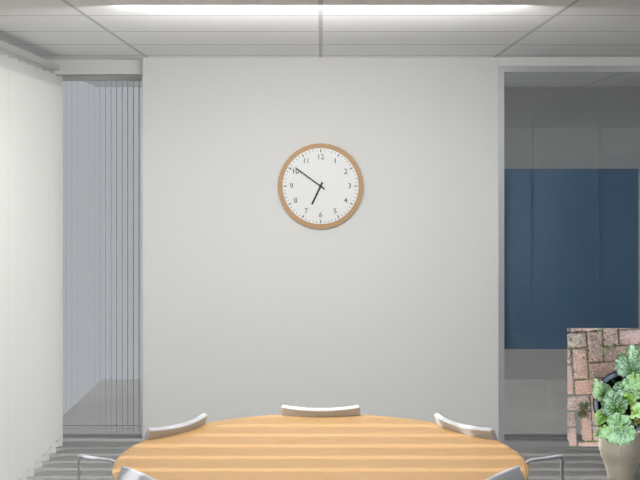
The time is 6:51
